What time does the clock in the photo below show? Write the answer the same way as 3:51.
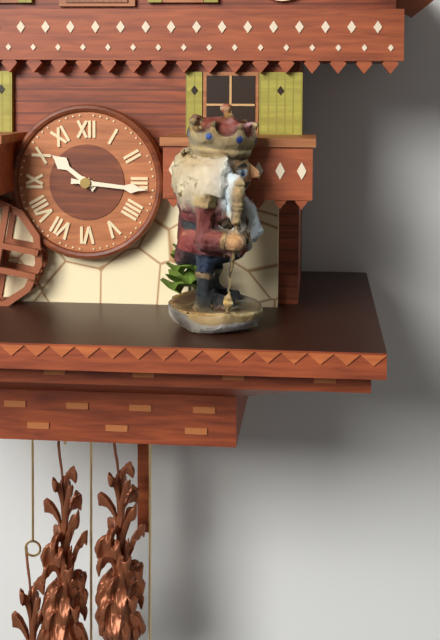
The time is 10:16
